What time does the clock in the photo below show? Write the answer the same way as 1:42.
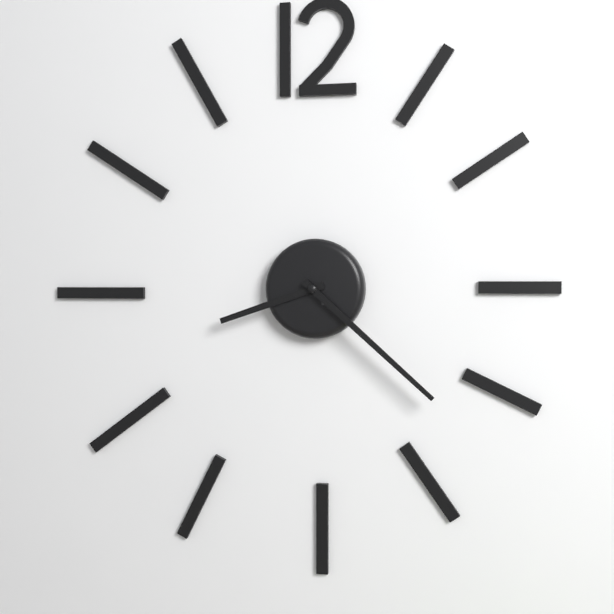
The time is 8:22
